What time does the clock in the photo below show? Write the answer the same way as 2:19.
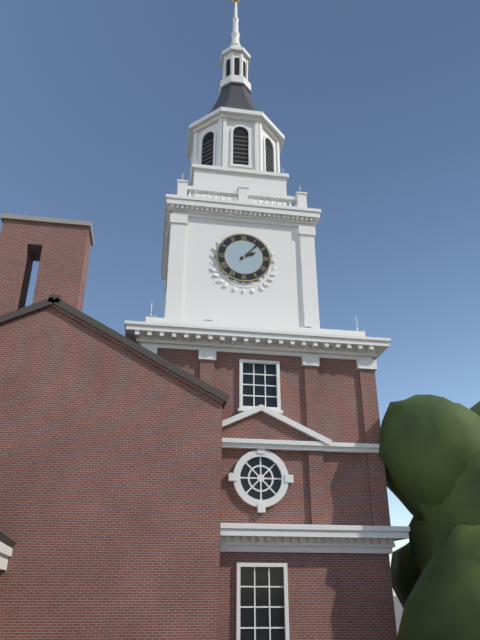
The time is 2:07
